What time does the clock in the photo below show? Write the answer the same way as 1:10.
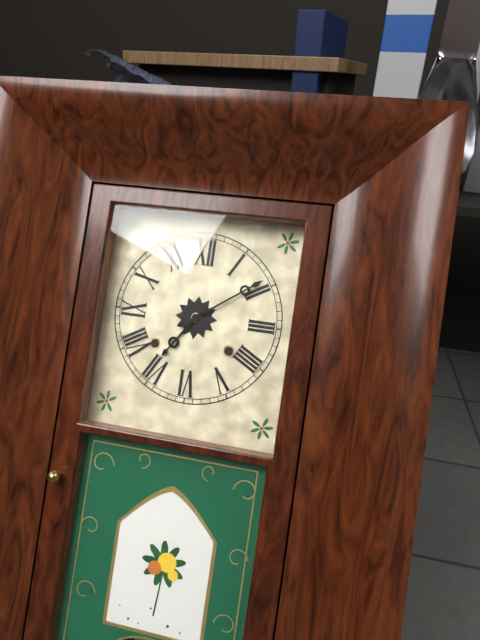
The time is 7:09
